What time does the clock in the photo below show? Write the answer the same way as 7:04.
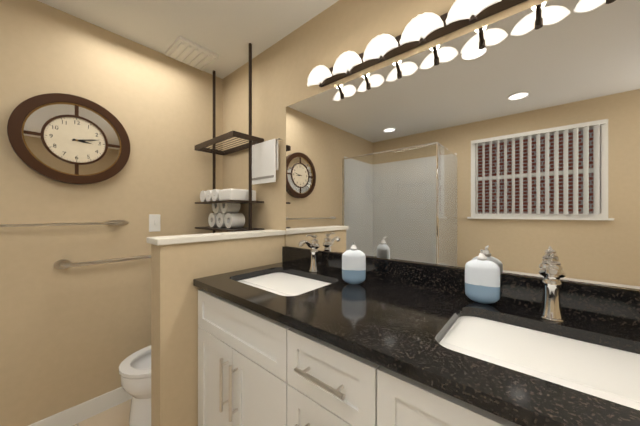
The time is 3:13
